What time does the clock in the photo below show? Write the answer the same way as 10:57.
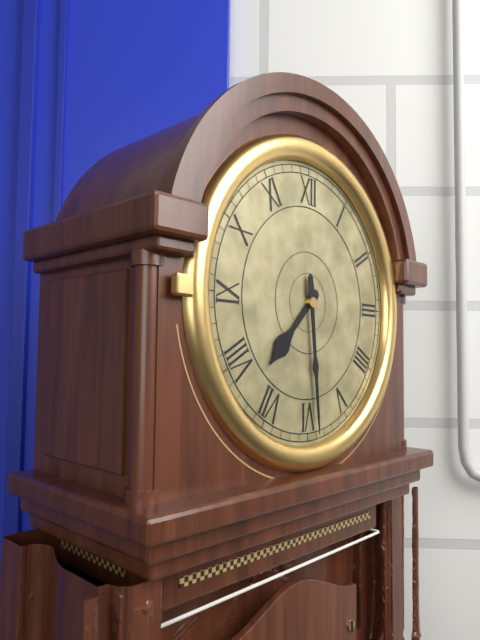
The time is 7:29
